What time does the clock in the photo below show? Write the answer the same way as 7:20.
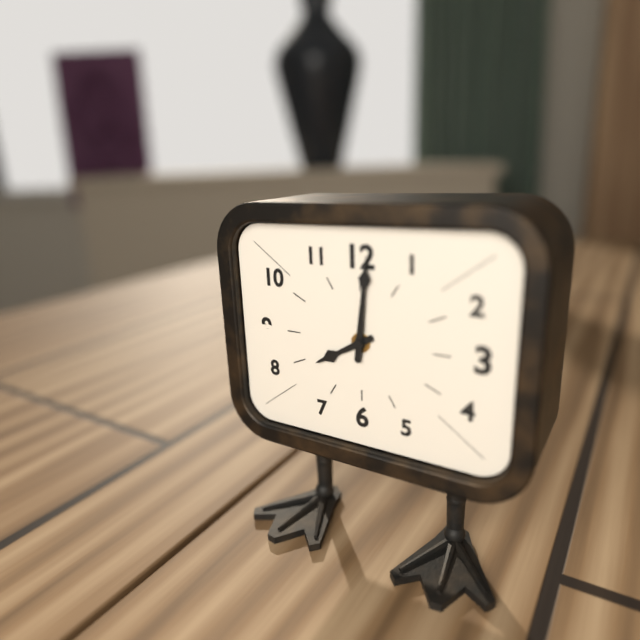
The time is 8:01
